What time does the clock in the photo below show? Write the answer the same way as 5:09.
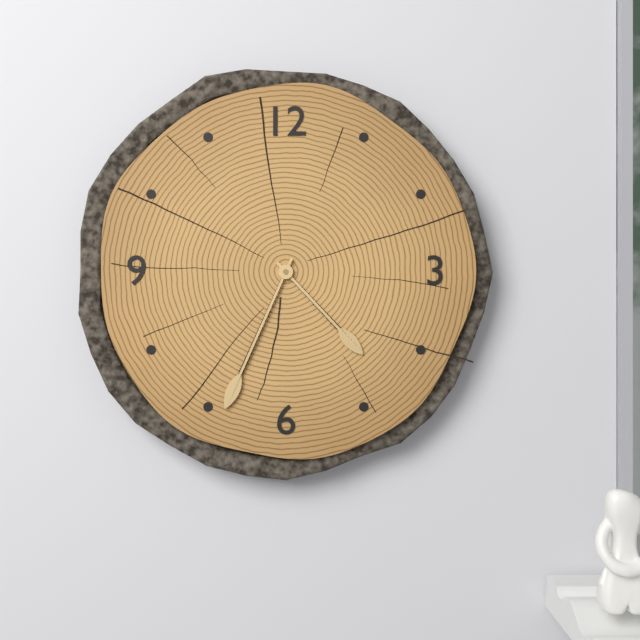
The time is 4:34
